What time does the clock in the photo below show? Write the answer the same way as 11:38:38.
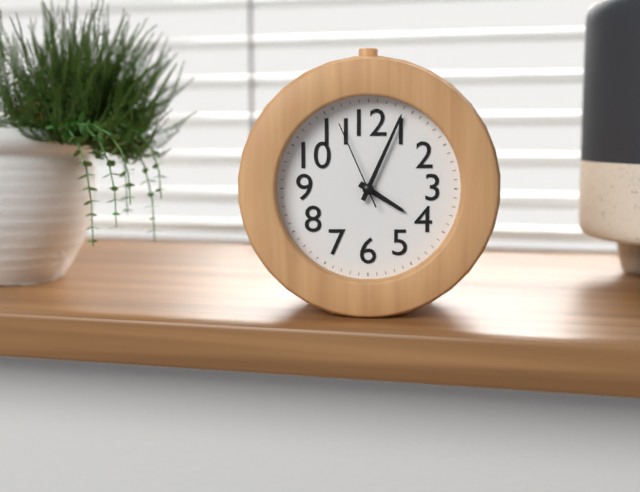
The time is 4:04:56
